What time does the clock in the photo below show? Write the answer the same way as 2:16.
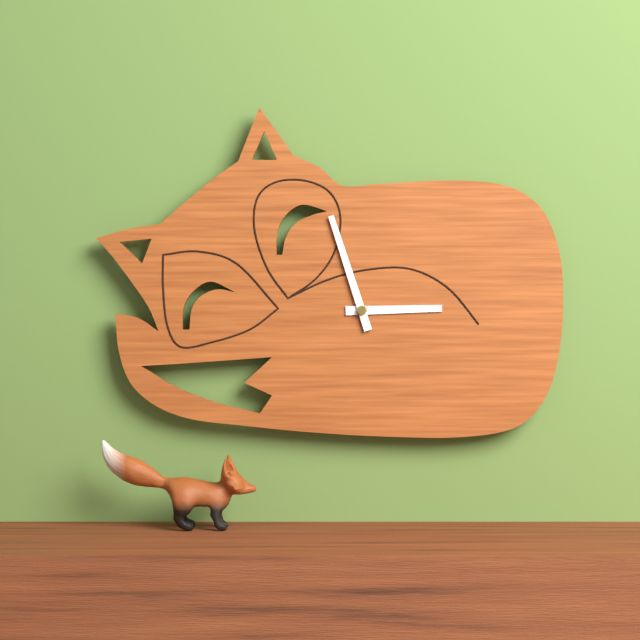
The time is 2:57
